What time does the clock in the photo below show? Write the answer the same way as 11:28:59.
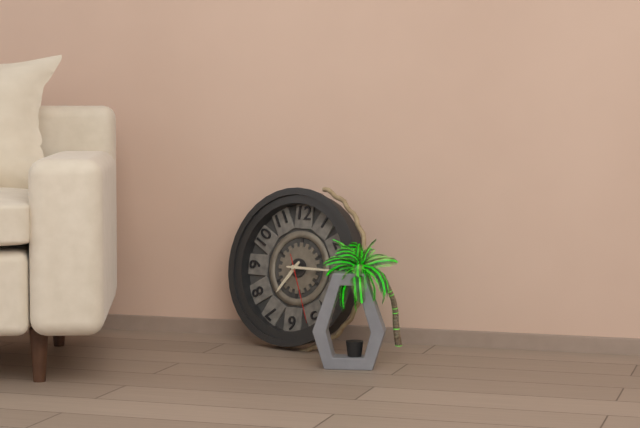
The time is 7:15:26
